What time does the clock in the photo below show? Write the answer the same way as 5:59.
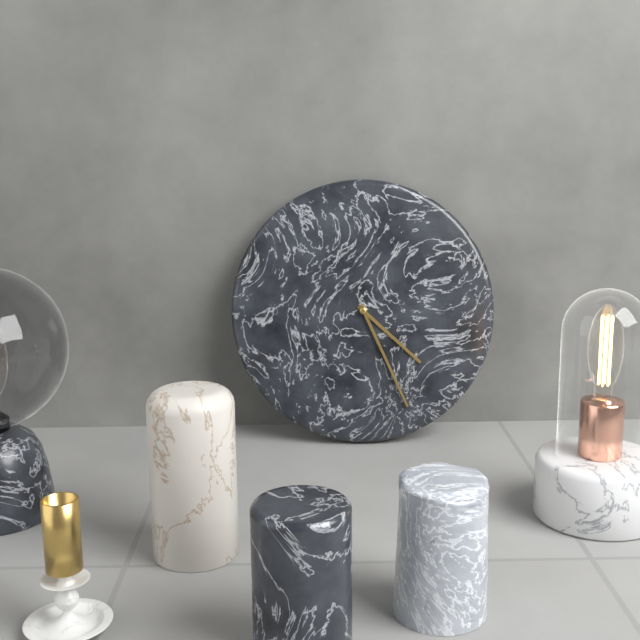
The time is 4:26
